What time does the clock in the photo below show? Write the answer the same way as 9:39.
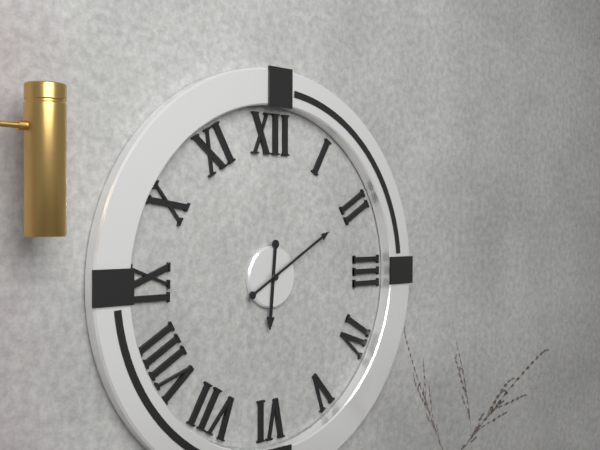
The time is 6:10
